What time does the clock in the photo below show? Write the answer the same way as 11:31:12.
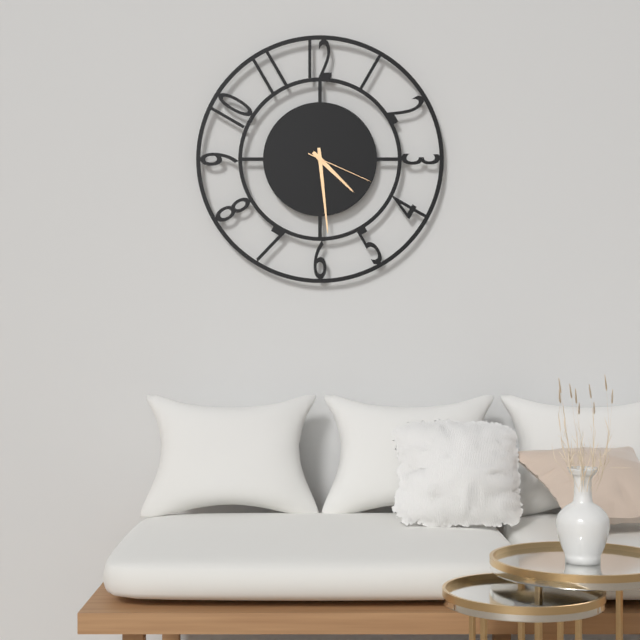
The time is 4:29:19
